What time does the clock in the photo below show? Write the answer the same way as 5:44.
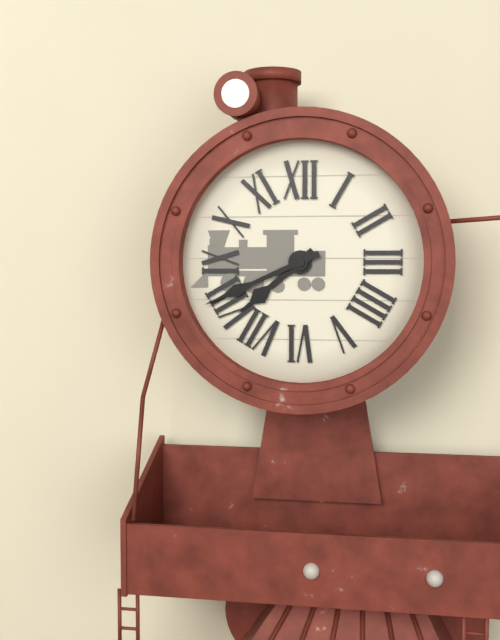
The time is 7:41
